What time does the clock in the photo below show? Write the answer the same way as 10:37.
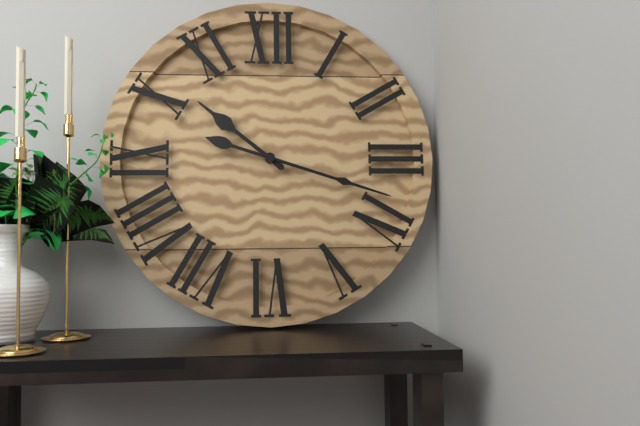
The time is 10:18
